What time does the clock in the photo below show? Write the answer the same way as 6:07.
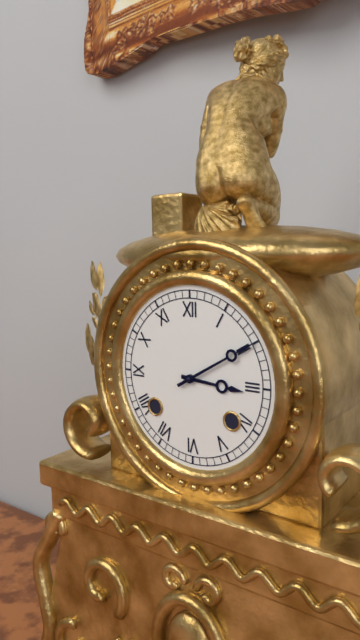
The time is 3:10
